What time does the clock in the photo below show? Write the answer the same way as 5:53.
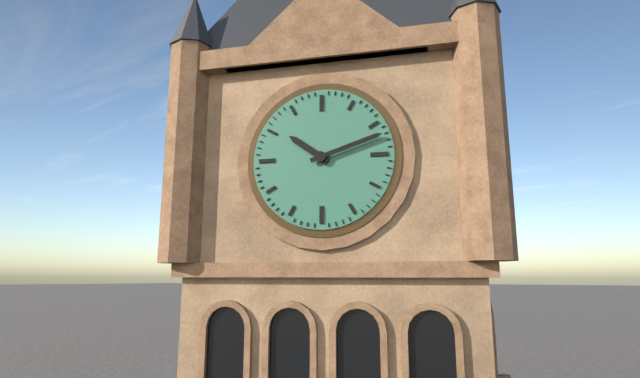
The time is 10:12
